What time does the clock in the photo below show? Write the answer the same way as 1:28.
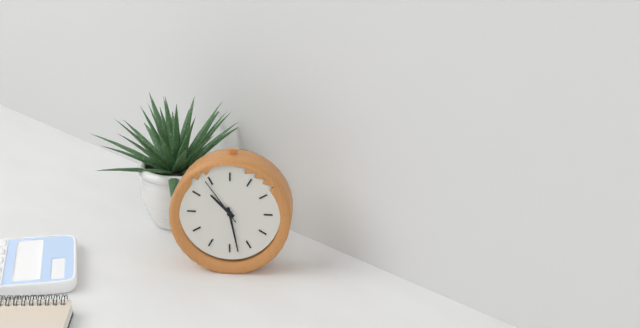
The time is 10:28
